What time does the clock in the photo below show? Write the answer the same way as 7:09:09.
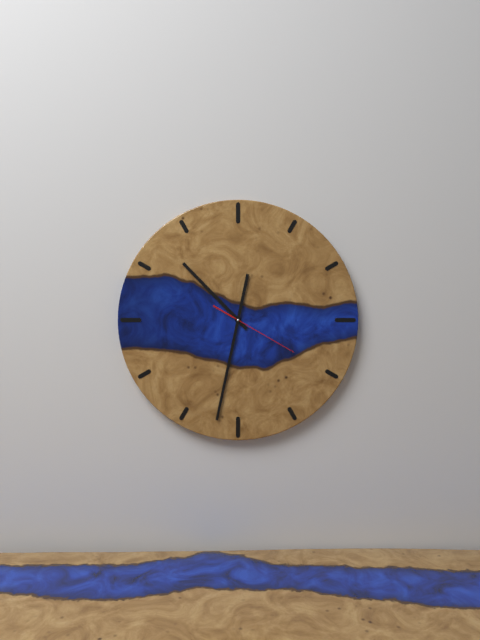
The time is 10:32:20
